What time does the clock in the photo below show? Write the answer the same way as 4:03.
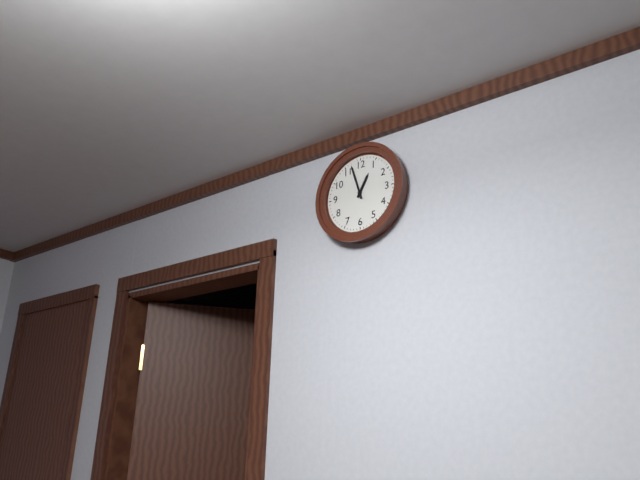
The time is 12:57
